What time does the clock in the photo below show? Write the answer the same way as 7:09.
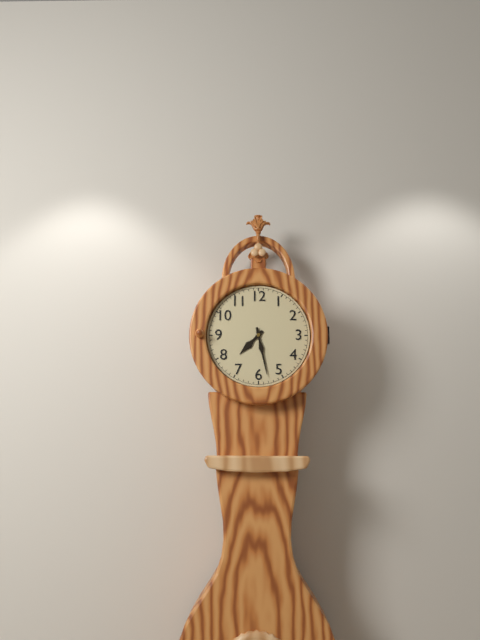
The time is 7:28
